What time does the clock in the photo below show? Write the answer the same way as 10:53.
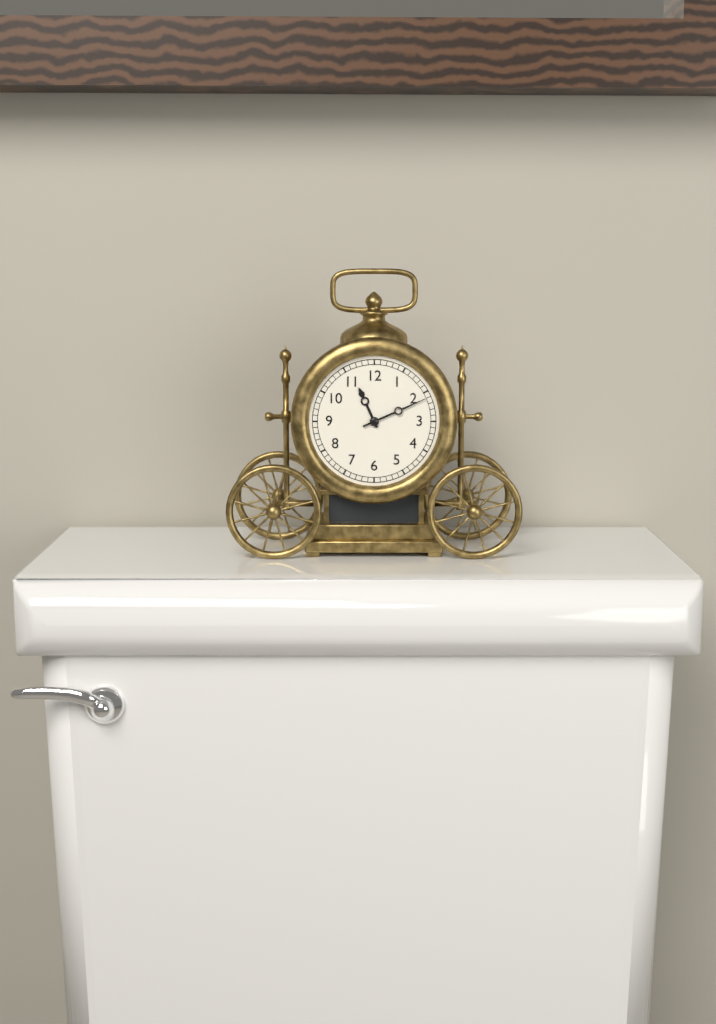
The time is 11:11
